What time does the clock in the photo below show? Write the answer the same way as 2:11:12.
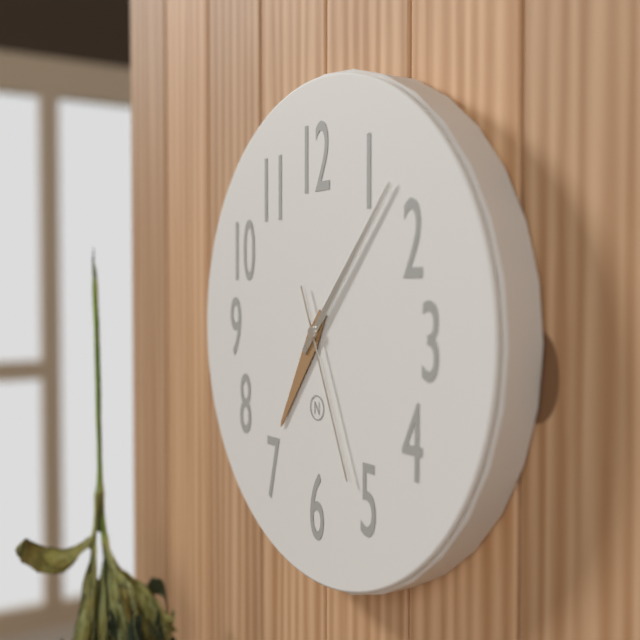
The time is 7:07:26
